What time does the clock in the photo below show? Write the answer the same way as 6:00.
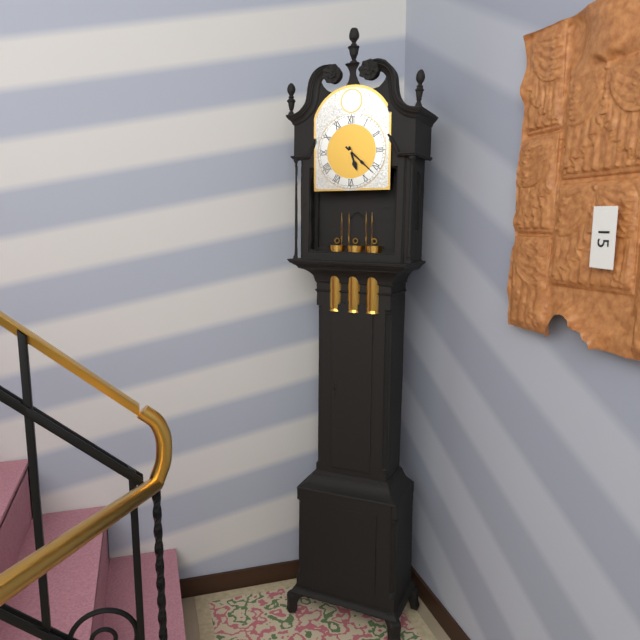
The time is 5:22
